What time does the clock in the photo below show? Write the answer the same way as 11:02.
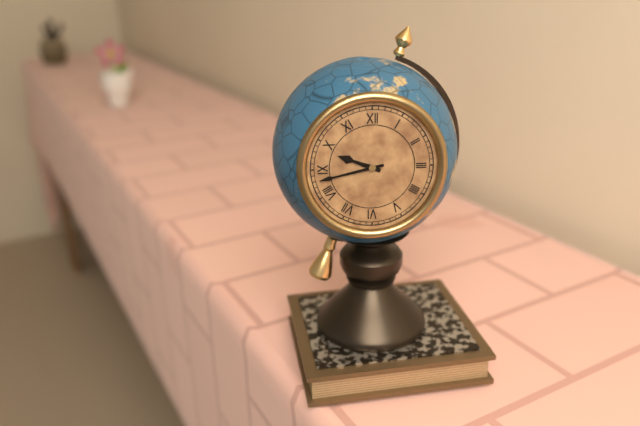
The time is 9:43
